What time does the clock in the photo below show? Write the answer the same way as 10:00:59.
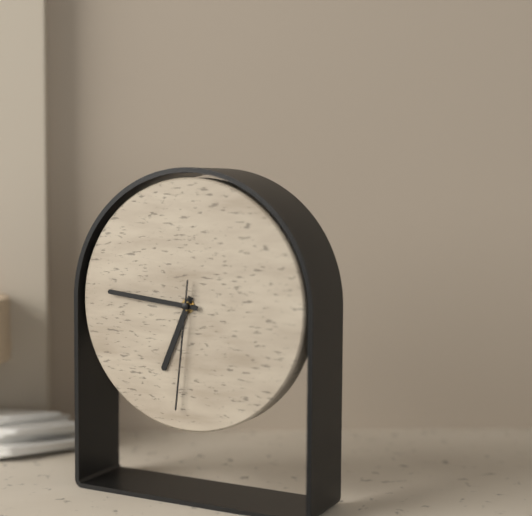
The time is 6:46:31
